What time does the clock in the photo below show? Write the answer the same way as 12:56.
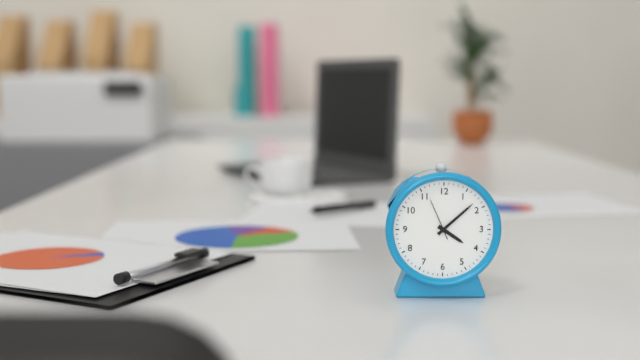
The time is 4:08
